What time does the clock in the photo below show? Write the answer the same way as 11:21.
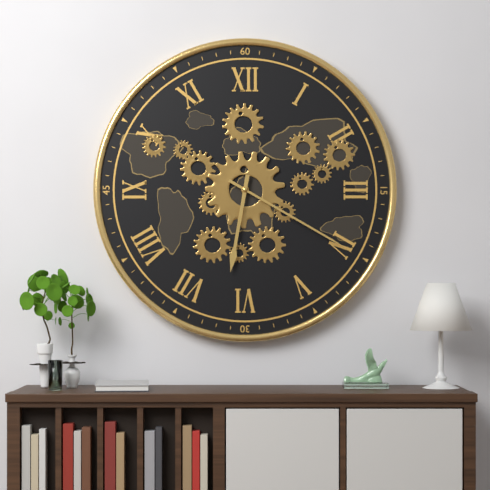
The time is 6:20
